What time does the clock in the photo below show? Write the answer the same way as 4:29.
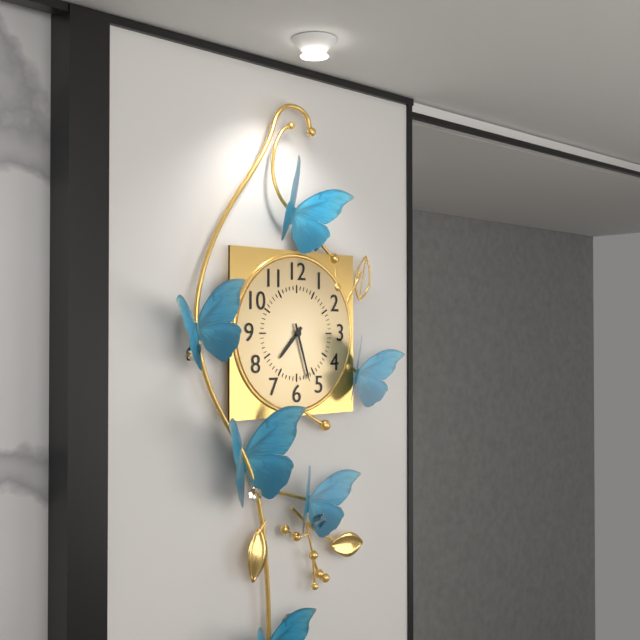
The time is 7:27
